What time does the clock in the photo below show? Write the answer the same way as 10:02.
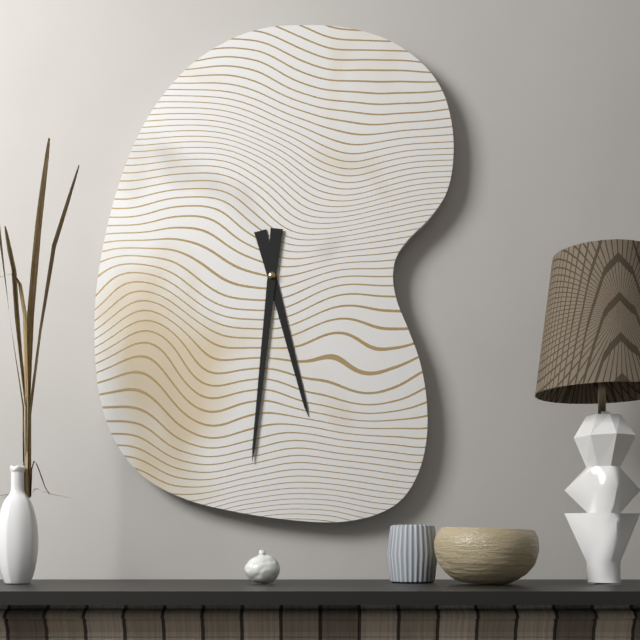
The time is 5:31
